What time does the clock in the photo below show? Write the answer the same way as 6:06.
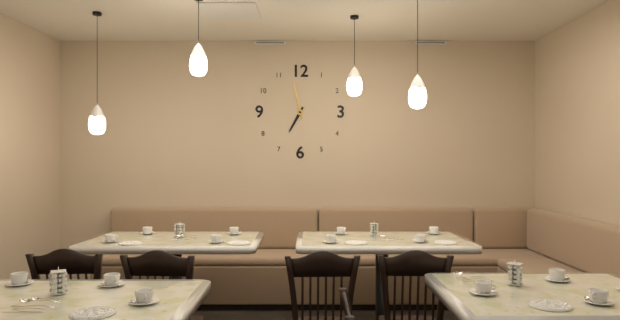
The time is 6:58
